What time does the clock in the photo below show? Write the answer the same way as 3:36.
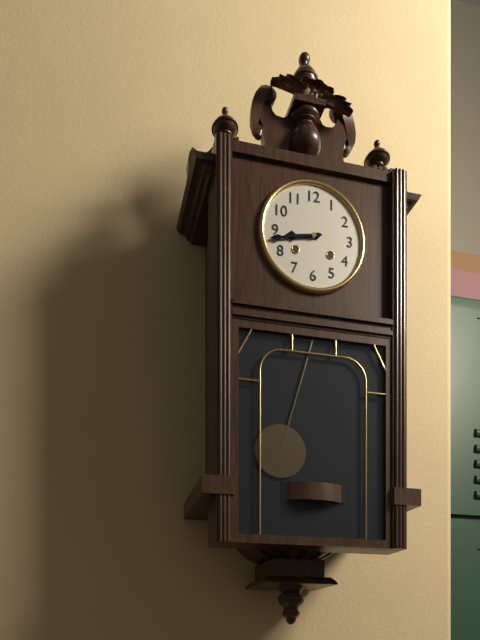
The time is 8:43
